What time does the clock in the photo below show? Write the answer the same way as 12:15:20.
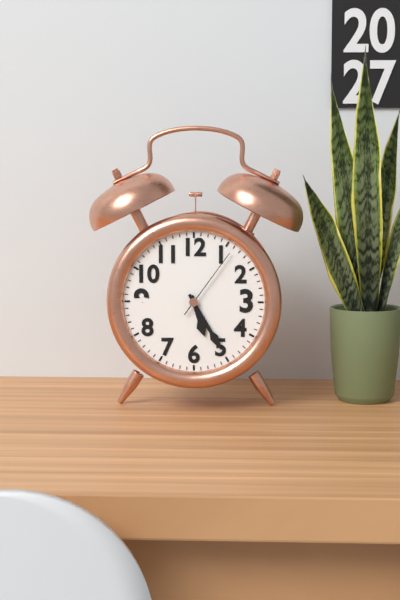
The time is 5:25:06
